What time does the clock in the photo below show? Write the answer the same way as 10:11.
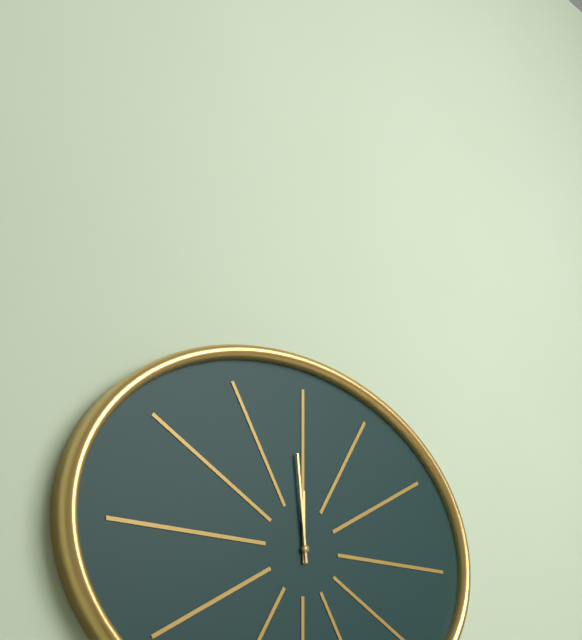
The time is 11:59
